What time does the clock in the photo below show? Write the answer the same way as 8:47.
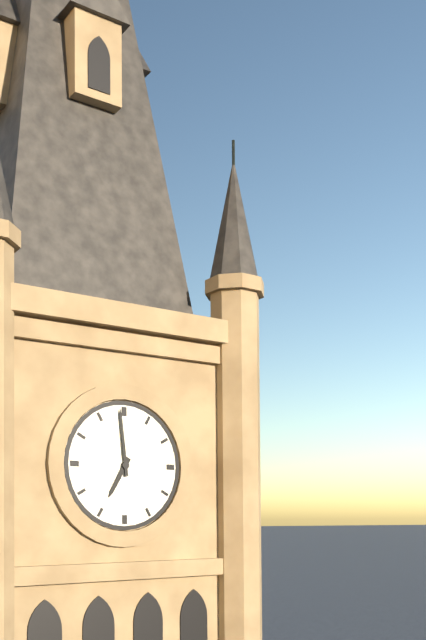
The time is 6:59
